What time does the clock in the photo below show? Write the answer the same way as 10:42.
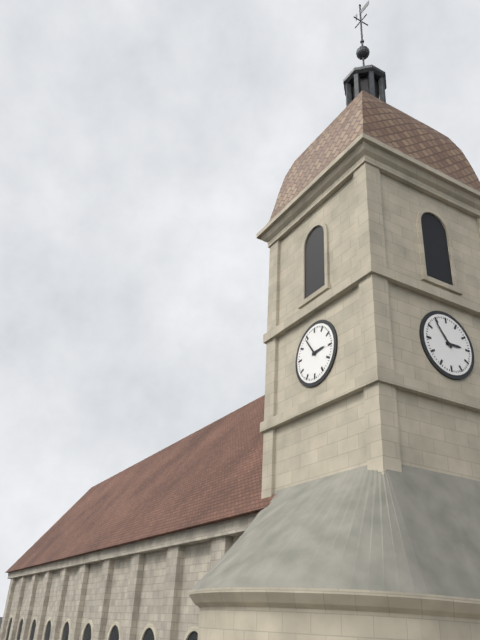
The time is 2:54
